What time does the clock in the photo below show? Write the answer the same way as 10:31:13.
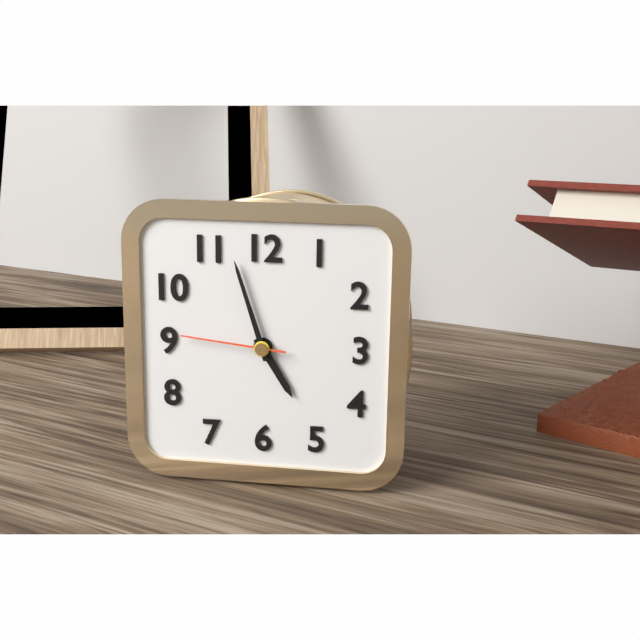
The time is 4:57:46
